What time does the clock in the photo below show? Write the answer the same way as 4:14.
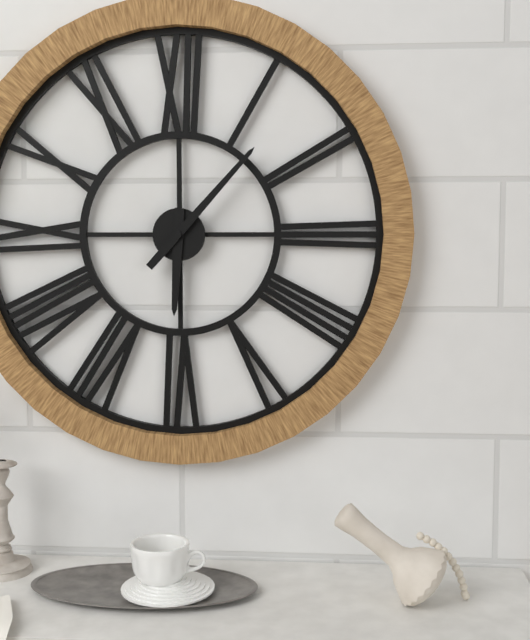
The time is 6:07
